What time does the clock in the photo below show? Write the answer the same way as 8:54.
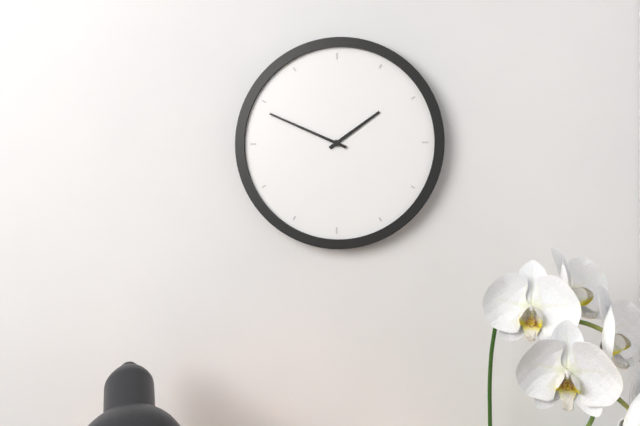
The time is 1:49
